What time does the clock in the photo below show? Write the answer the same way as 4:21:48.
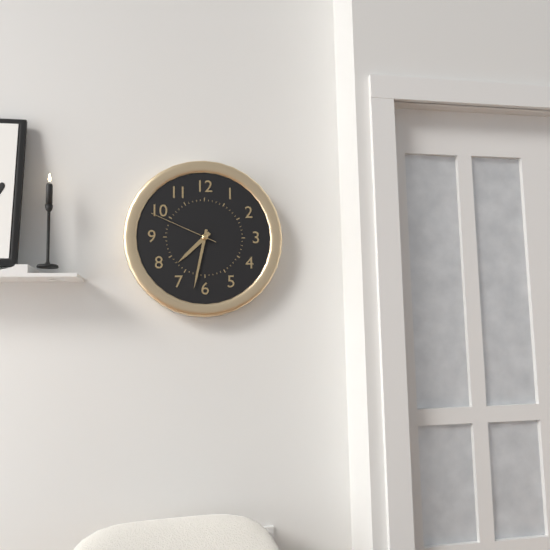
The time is 7:32:49
